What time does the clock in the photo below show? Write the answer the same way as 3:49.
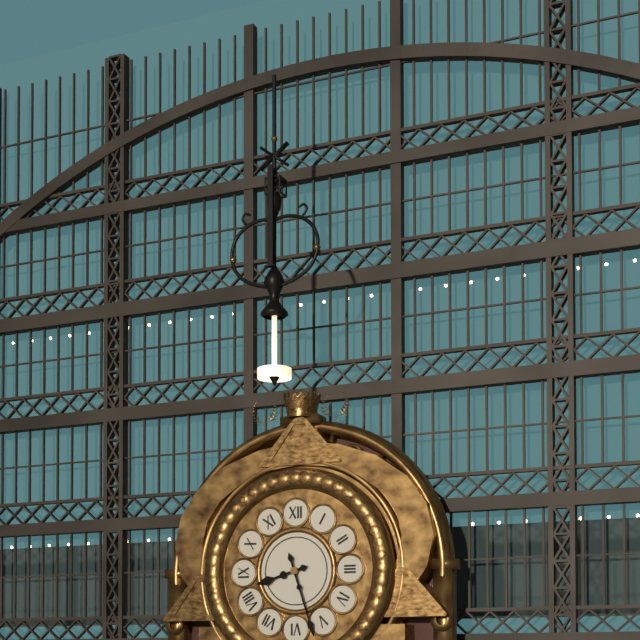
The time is 8:27
